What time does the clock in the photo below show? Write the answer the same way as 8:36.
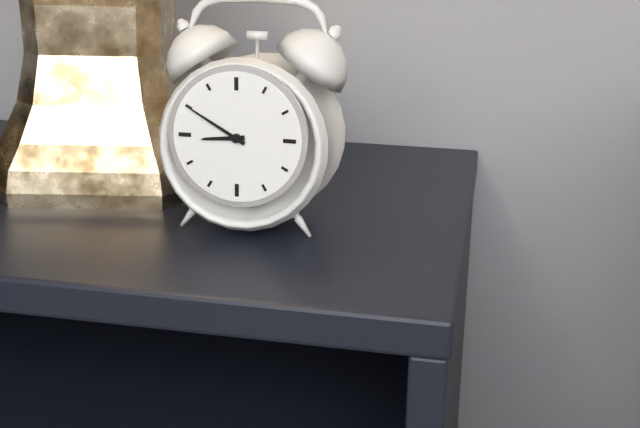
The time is 8:50
